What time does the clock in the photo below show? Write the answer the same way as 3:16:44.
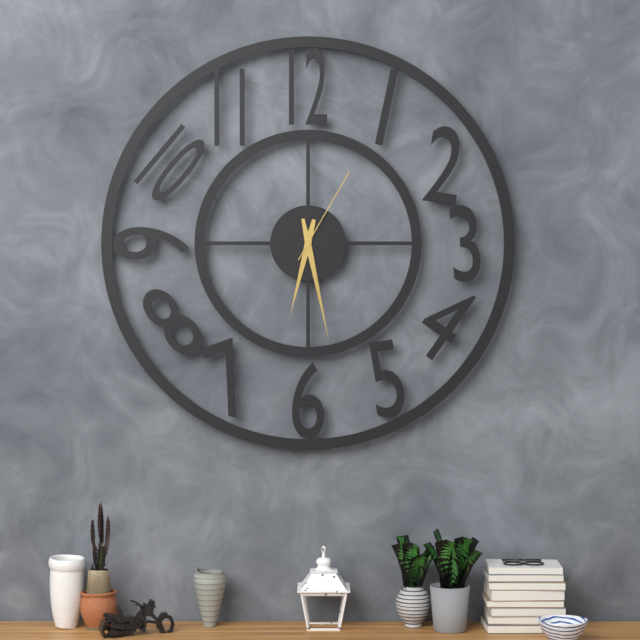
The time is 6:28:05
